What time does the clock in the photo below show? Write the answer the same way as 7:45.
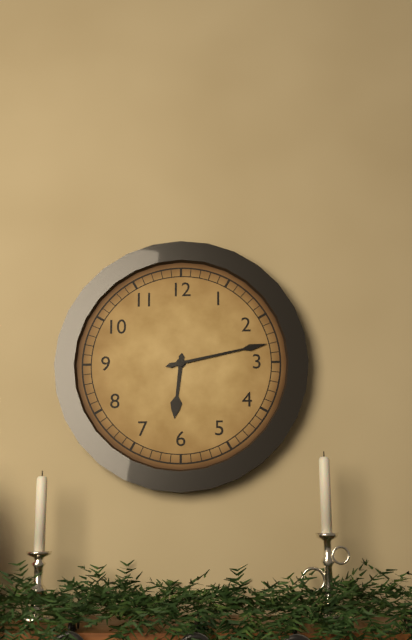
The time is 6:13
